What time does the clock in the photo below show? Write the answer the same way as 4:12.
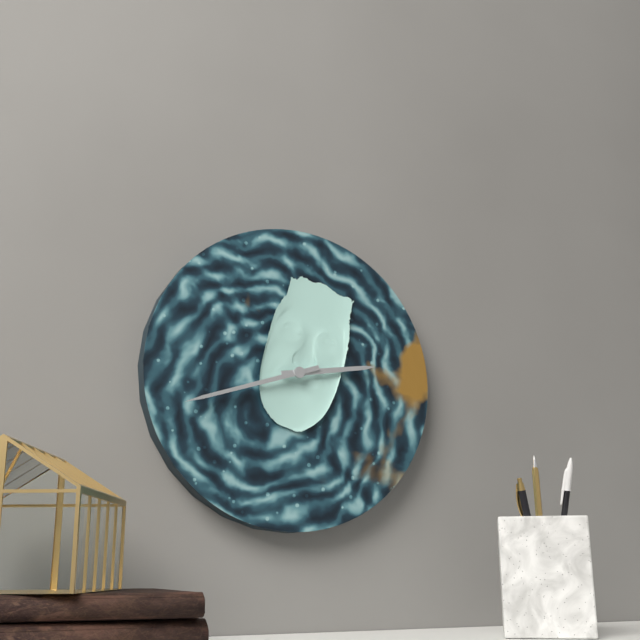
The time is 2:42
